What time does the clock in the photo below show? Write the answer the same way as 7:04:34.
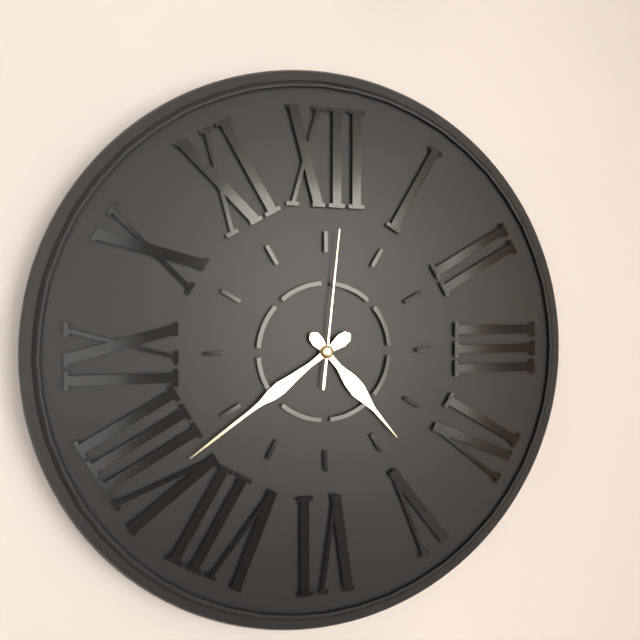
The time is 4:39:01
